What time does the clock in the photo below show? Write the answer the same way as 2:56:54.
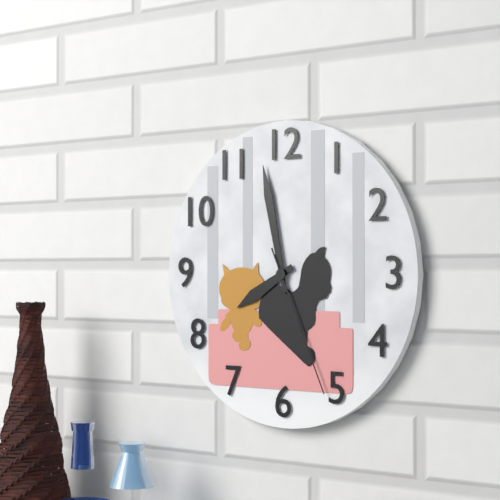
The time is 7:58:26
